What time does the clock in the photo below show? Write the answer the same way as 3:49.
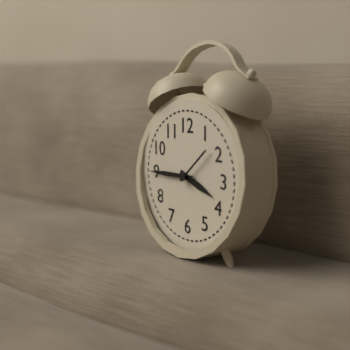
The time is 3:45
